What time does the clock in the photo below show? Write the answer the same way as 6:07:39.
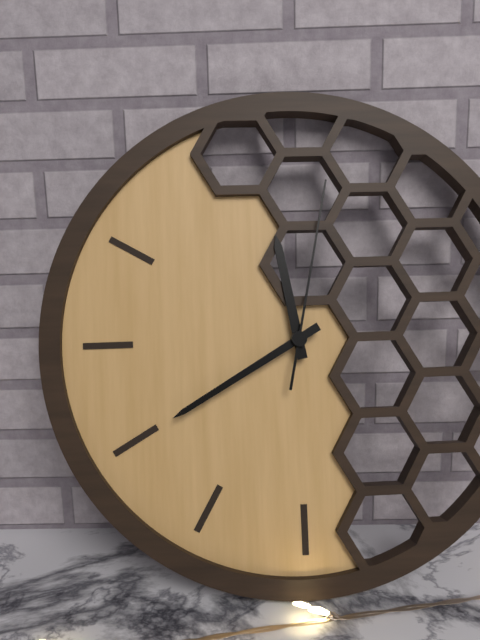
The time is 11:40:02
